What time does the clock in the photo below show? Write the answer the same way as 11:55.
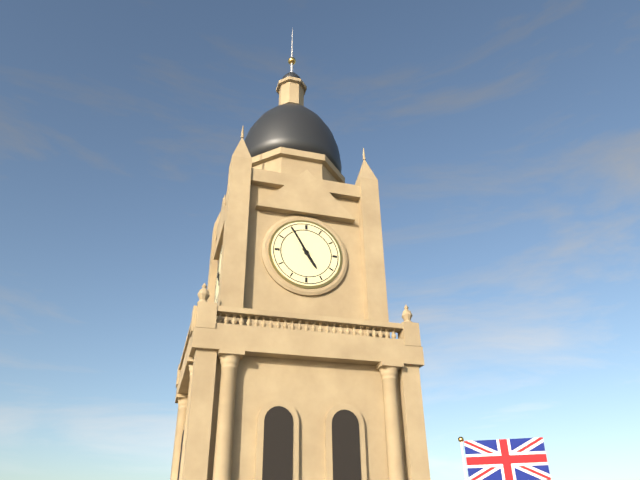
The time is 4:55
